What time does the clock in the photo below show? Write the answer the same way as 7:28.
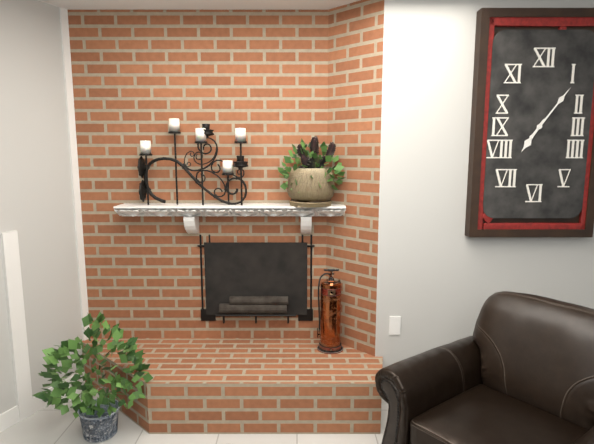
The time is 7:06
